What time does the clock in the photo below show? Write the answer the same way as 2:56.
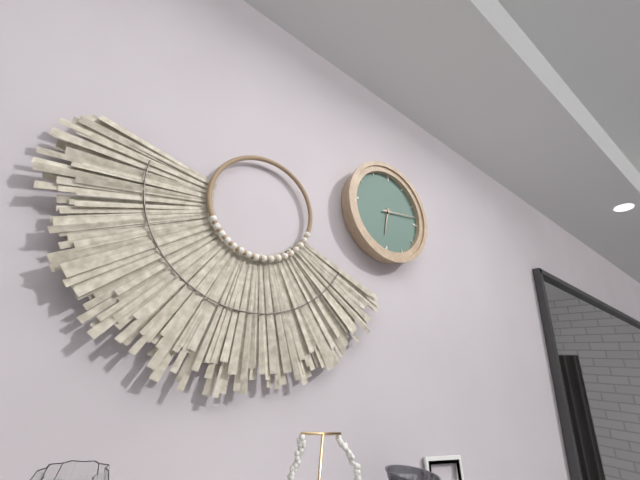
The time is 6:13
